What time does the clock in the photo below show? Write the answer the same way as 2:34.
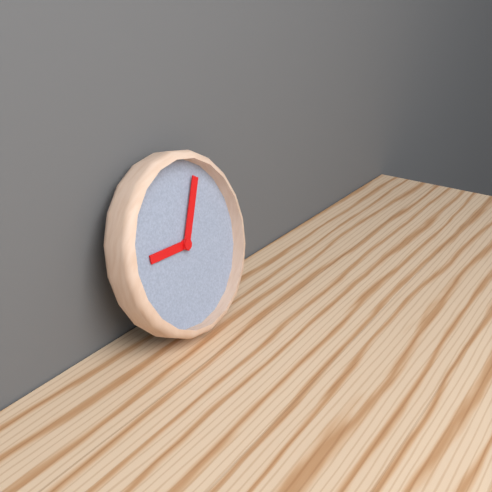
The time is 9:05
